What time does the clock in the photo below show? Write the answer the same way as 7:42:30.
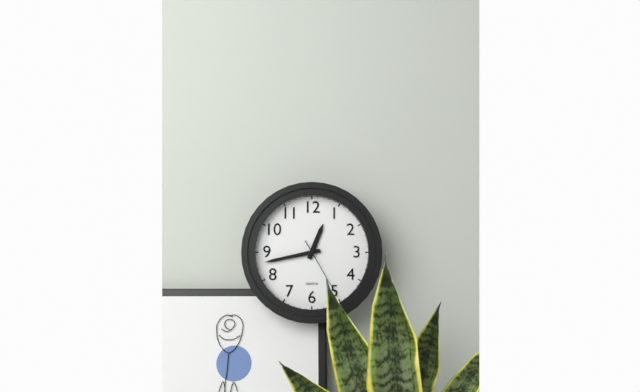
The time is 12:43:25
